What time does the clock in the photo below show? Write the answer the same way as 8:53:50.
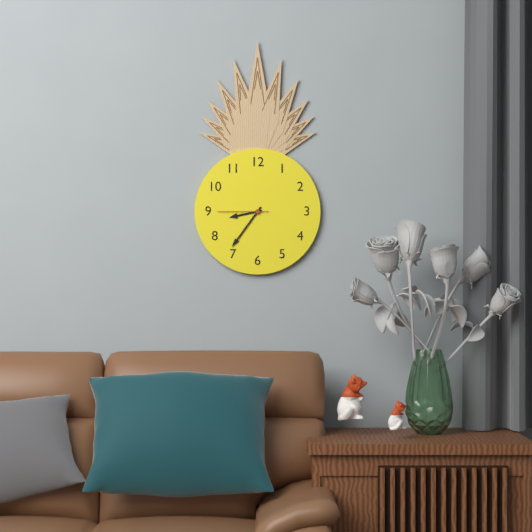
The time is 8:36:45
